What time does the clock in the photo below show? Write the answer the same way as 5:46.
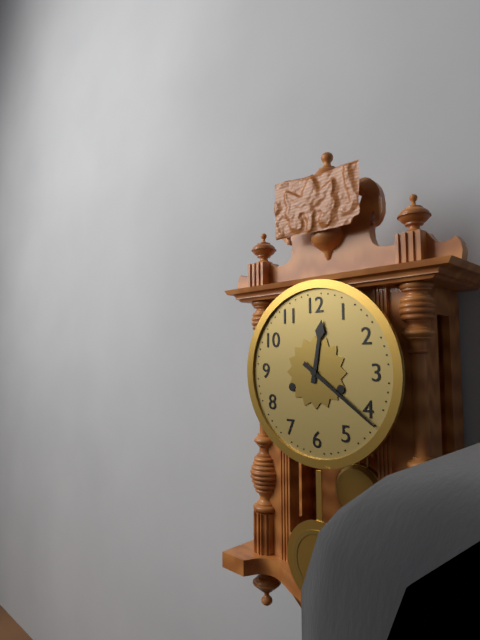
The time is 12:21
